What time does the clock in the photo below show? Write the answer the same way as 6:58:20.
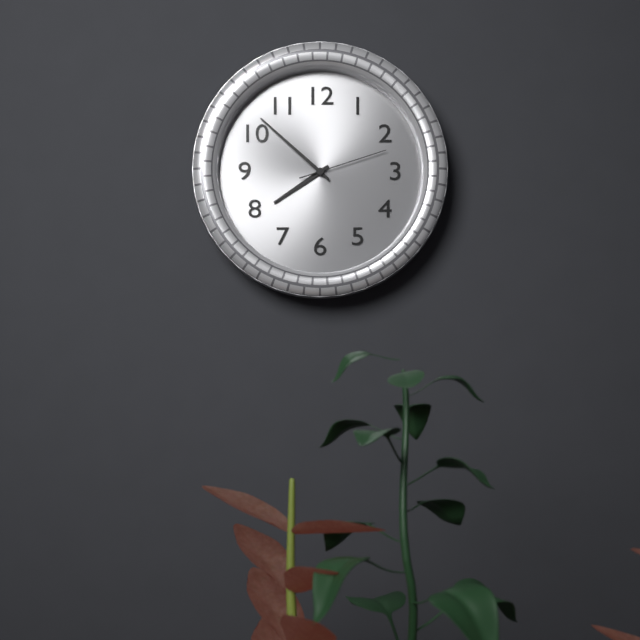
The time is 7:52:12
